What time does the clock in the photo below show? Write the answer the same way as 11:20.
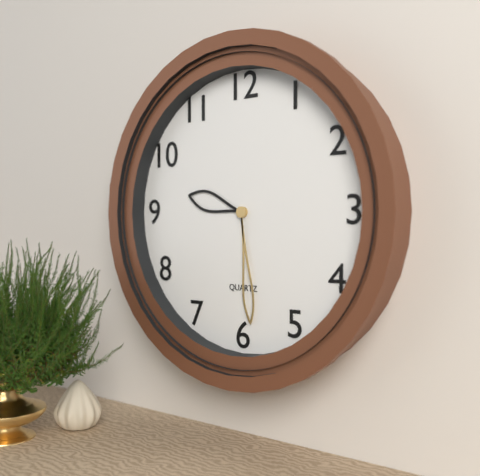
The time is 9:29
